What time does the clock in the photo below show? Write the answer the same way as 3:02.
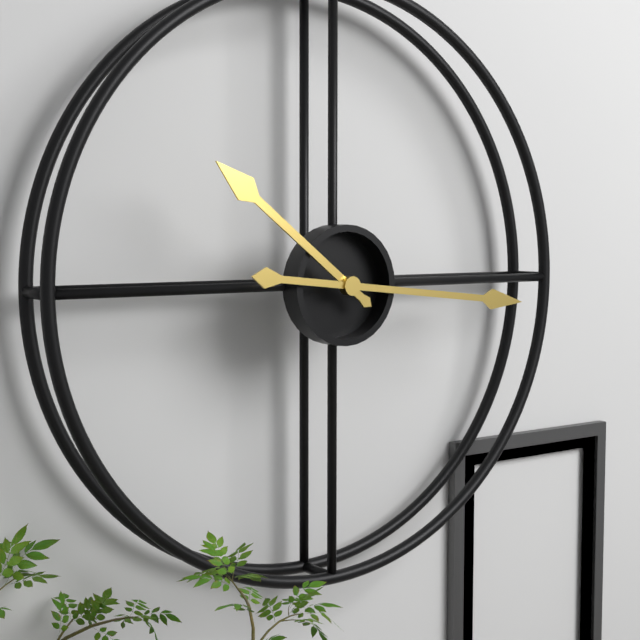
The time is 10:16
